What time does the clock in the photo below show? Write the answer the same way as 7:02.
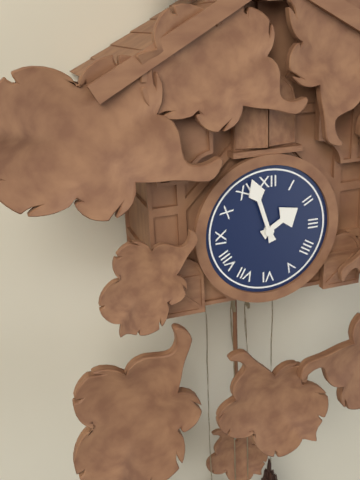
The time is 1:57
